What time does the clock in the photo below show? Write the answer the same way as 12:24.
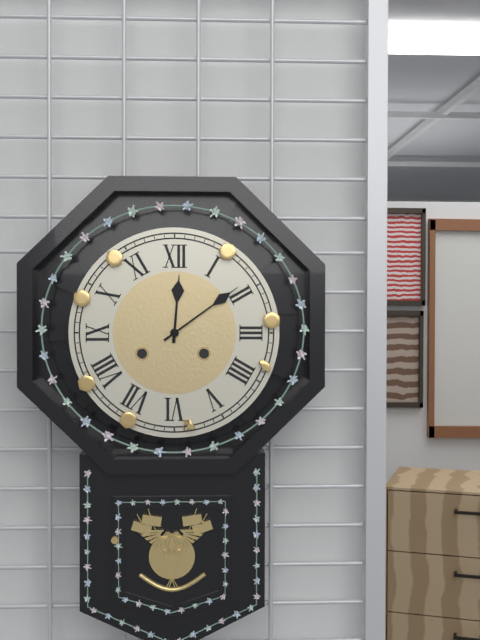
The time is 12:09
